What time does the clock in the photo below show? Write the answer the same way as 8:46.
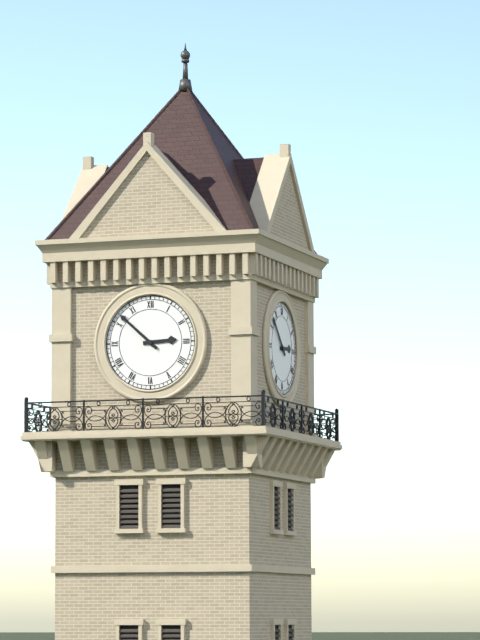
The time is 2:52
